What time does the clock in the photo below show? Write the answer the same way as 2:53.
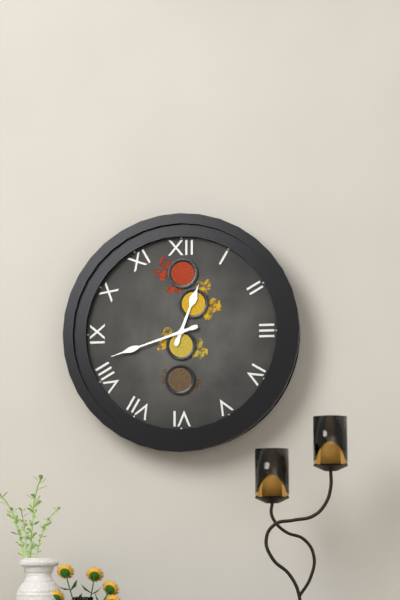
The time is 12:42
